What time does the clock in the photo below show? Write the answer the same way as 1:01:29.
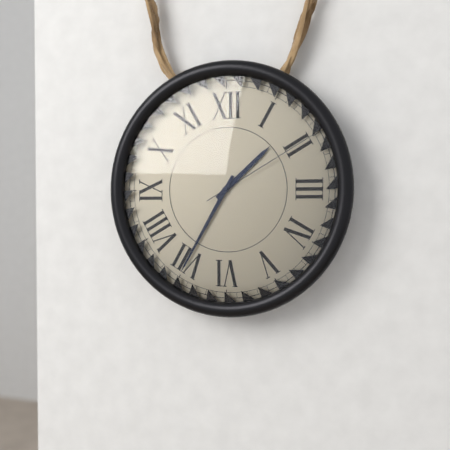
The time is 1:35:10
